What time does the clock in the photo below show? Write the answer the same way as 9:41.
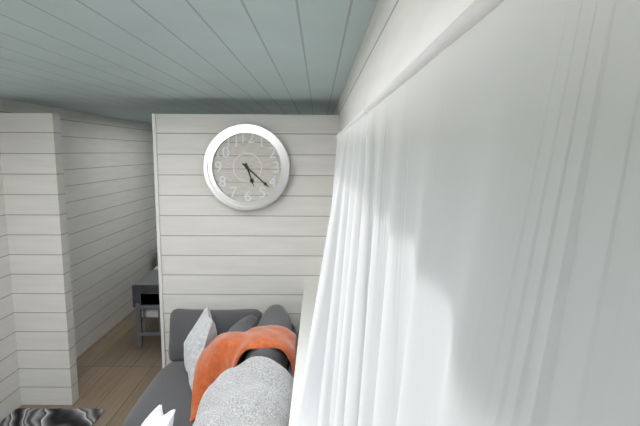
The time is 5:22
